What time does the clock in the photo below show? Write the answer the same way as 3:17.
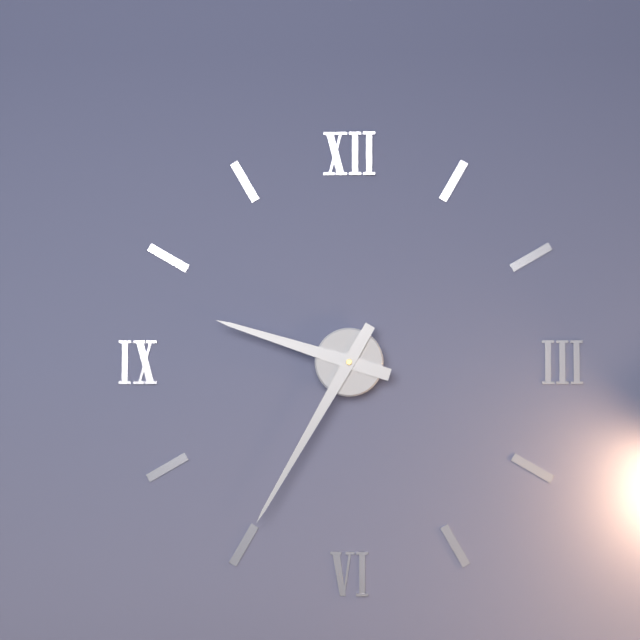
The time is 9:35
